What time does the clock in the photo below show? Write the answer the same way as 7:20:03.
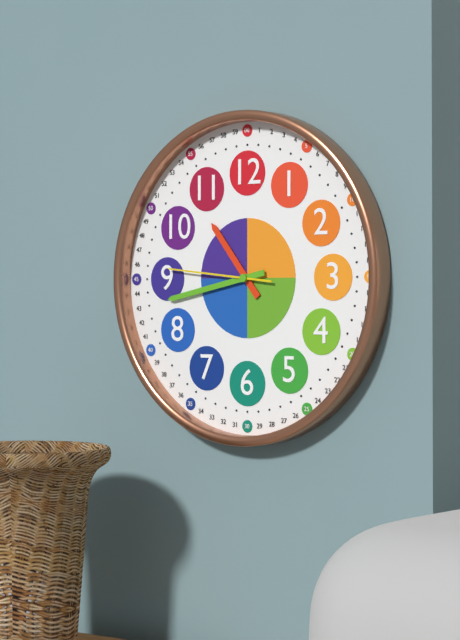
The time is 10:43:46
